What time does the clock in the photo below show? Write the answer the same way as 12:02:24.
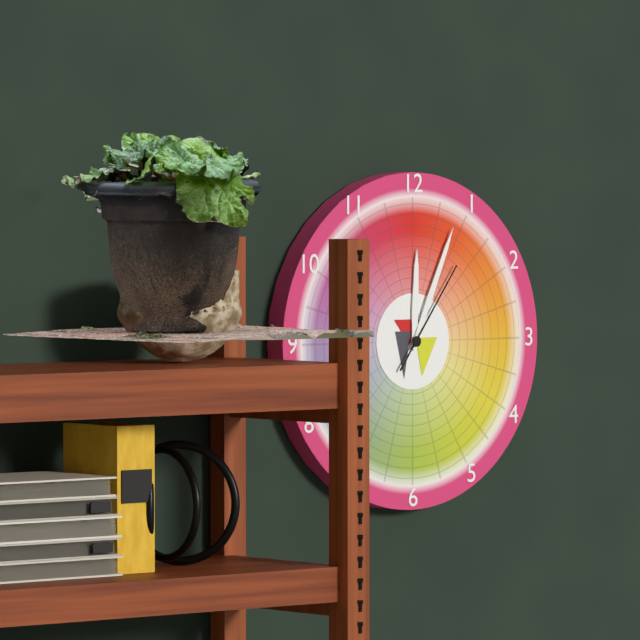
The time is 12:04:06
